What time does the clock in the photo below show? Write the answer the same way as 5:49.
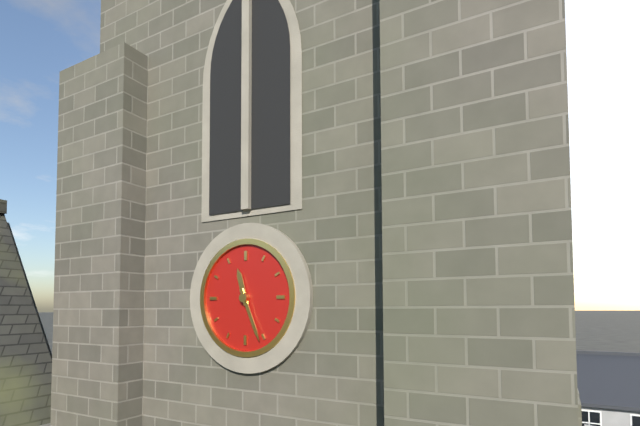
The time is 11:26
